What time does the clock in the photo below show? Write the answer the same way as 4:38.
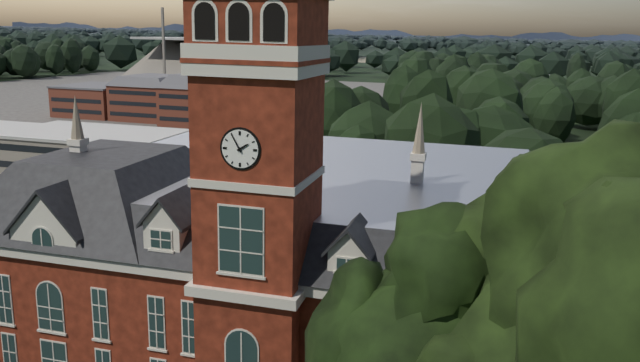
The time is 1:55
